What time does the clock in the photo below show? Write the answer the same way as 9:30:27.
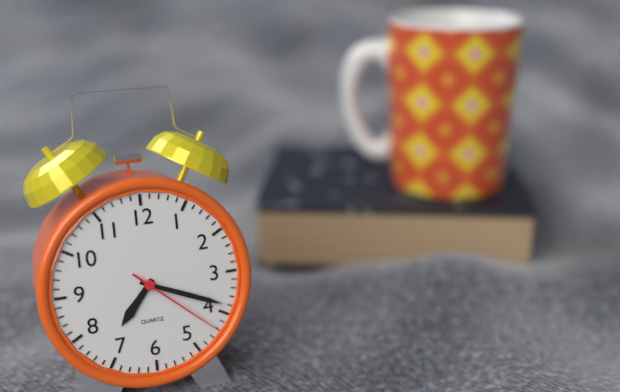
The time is 7:19:22
